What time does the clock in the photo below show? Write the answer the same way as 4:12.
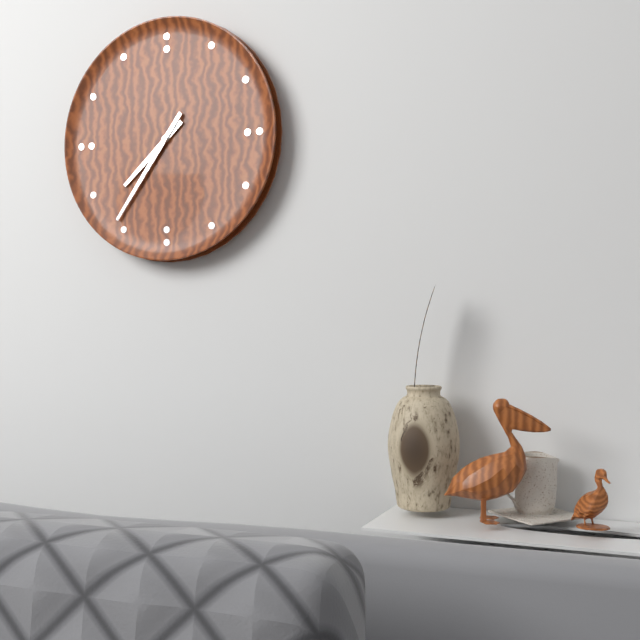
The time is 7:36
